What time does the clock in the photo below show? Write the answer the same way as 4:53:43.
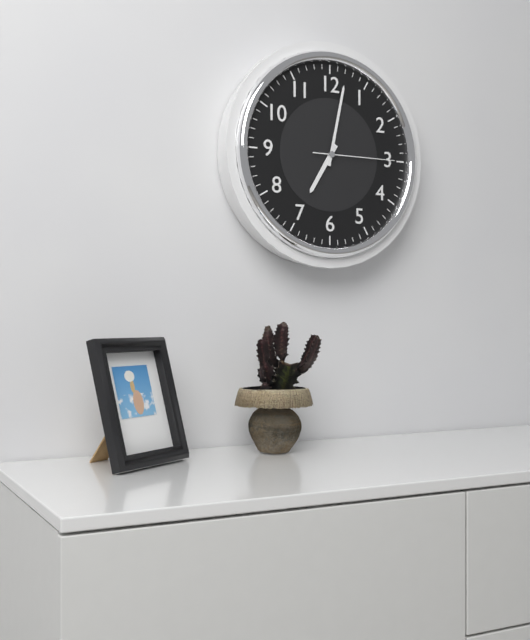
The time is 7:02:15
